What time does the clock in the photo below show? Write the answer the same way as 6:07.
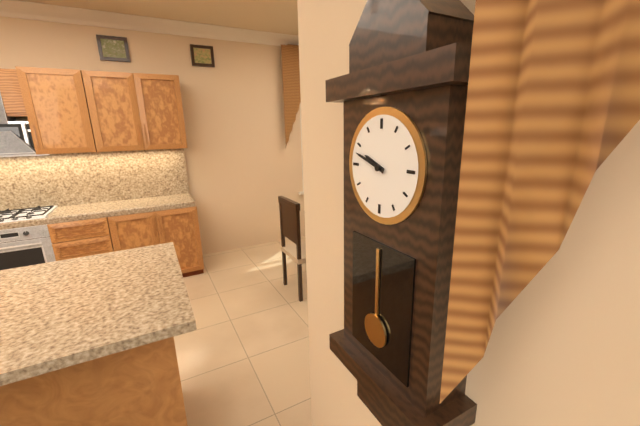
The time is 9:48
